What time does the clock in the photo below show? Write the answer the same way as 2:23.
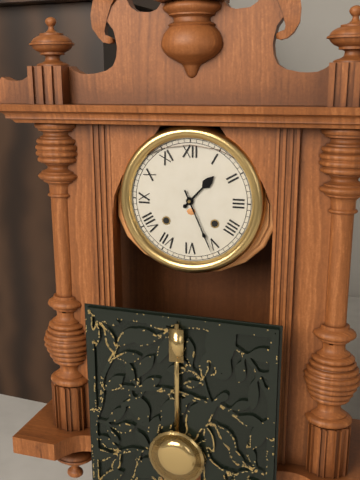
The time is 1:26
